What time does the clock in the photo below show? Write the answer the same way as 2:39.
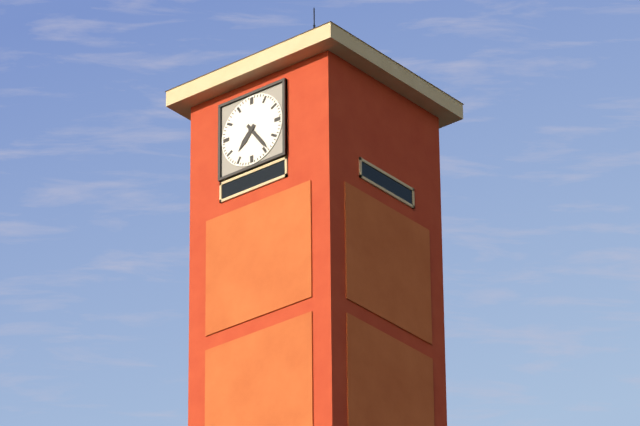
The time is 7:24
